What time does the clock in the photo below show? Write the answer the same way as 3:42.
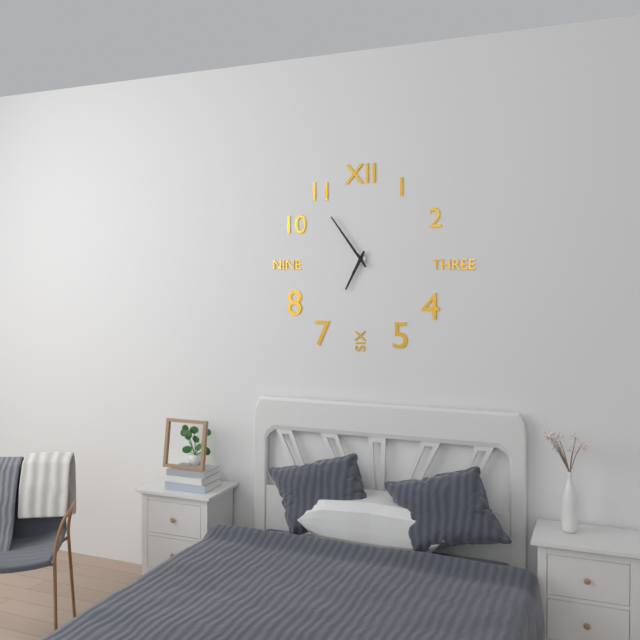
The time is 6:54
